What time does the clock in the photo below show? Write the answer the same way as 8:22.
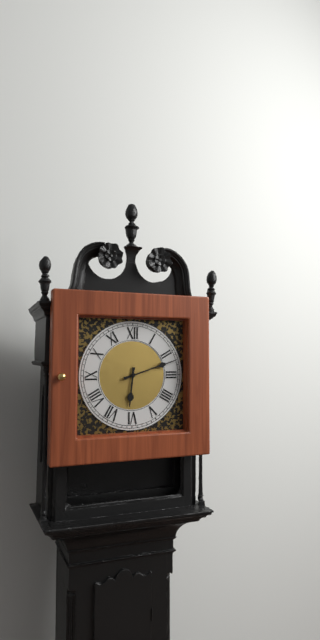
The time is 6:12
